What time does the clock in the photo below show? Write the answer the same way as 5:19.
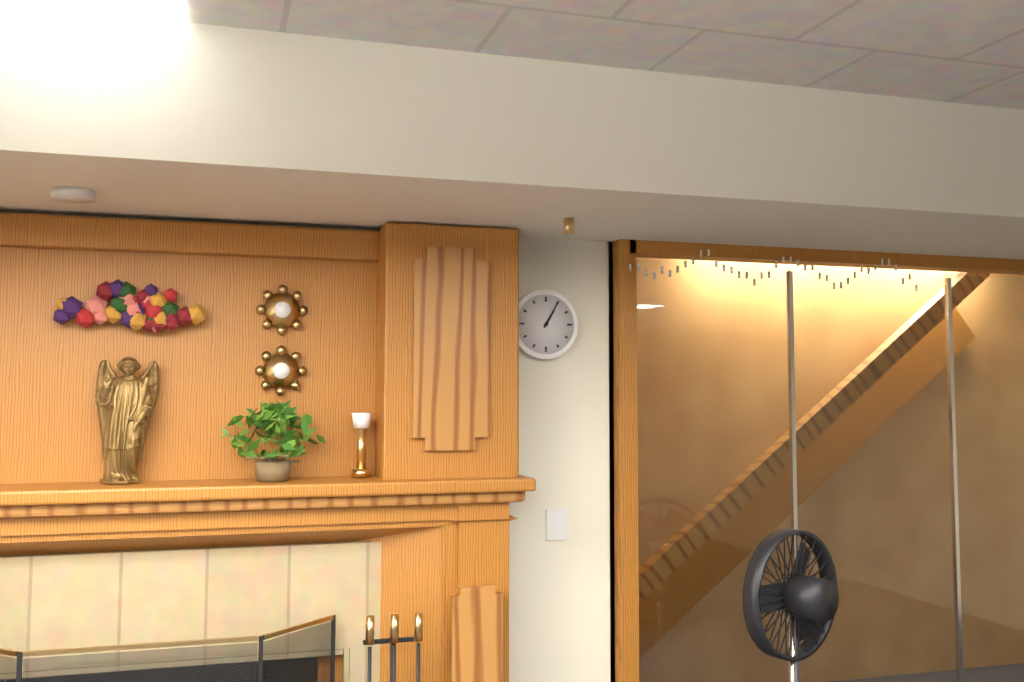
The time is 1:05
